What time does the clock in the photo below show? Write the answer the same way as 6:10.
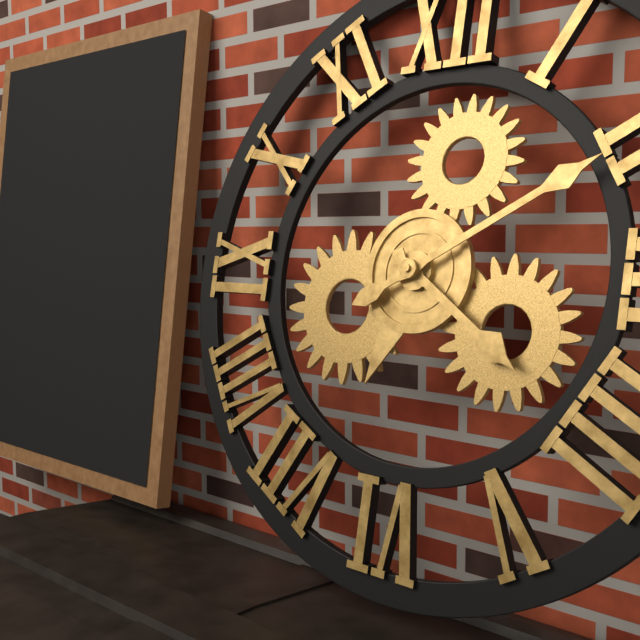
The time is 4:10
